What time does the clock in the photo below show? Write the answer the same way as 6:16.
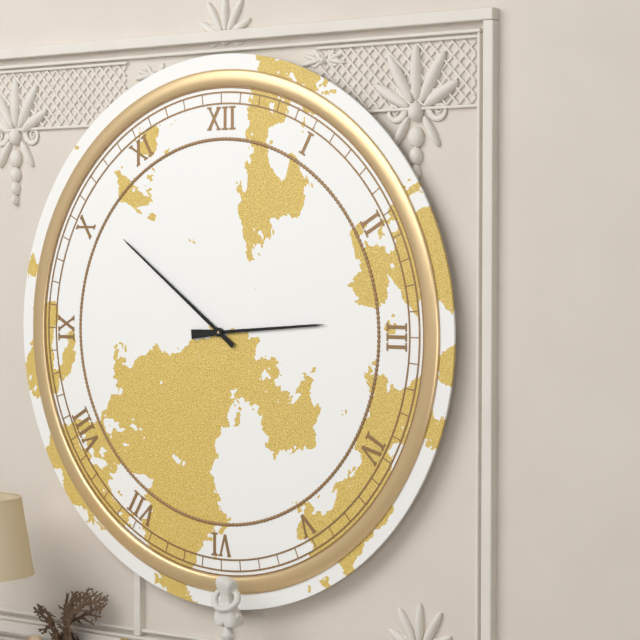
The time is 2:51
